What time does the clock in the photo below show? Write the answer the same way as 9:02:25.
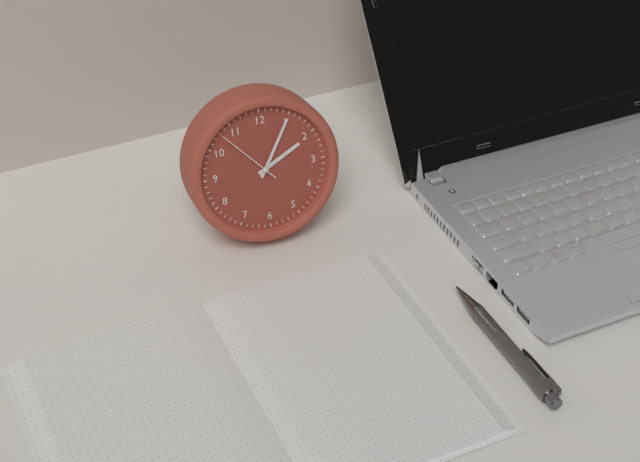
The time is 2:05:53
